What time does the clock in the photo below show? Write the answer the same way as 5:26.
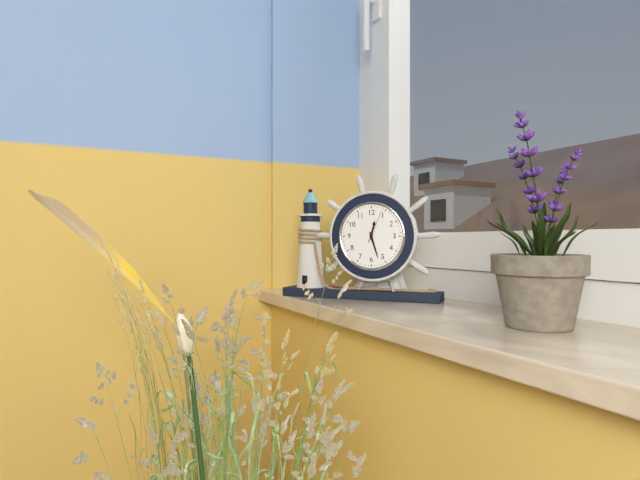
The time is 12:27
